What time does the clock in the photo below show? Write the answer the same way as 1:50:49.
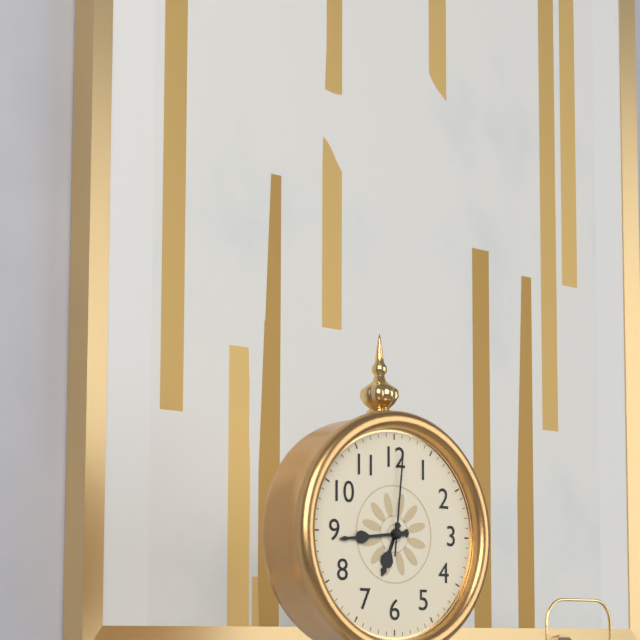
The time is 6:44:01
